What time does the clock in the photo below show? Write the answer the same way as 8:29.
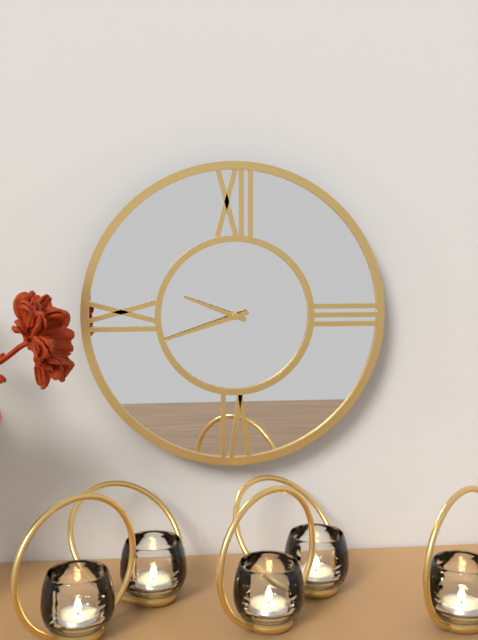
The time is 9:42
